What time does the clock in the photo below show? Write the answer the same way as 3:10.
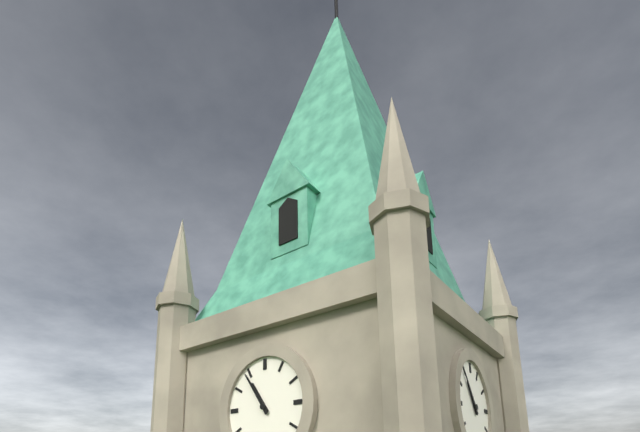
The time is 10:54
